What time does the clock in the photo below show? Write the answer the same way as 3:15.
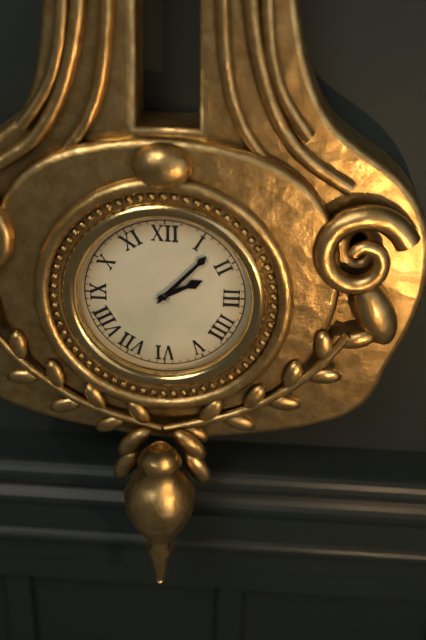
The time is 2:07
